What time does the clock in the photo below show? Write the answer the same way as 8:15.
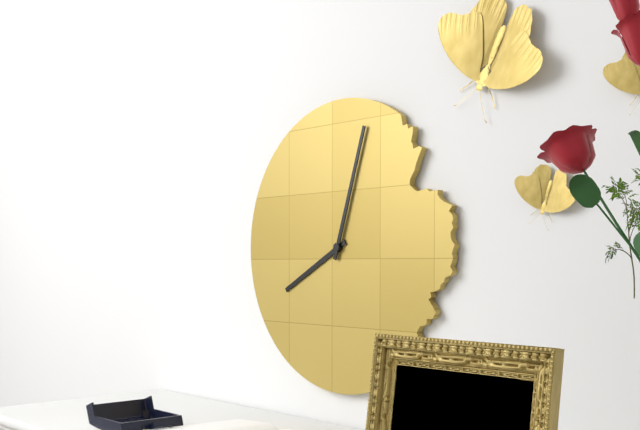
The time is 8:03
